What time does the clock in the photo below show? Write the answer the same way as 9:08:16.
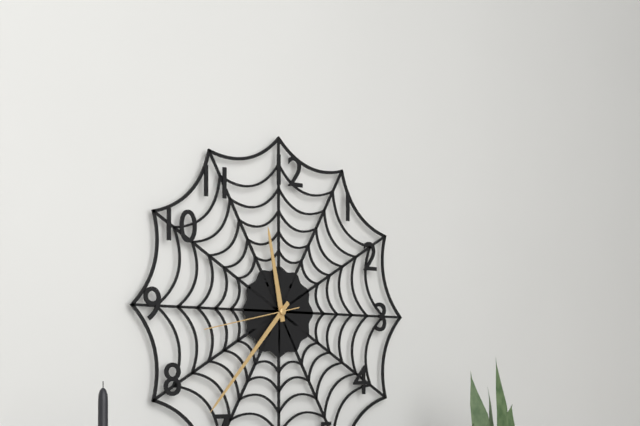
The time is 11:37:43
